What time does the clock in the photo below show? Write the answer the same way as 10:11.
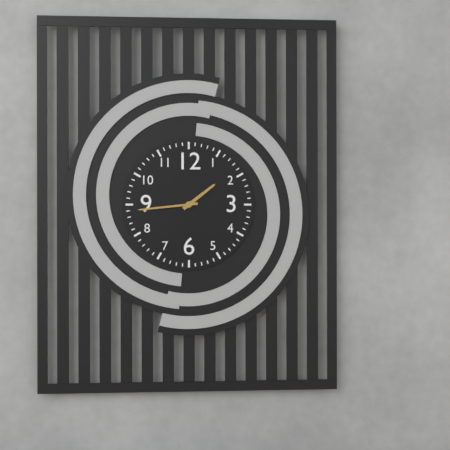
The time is 1:44
